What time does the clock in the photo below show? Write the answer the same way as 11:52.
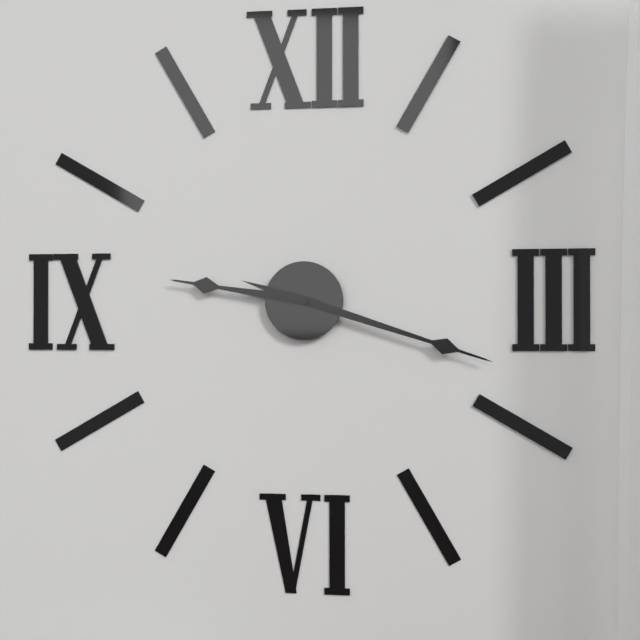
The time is 9:18
